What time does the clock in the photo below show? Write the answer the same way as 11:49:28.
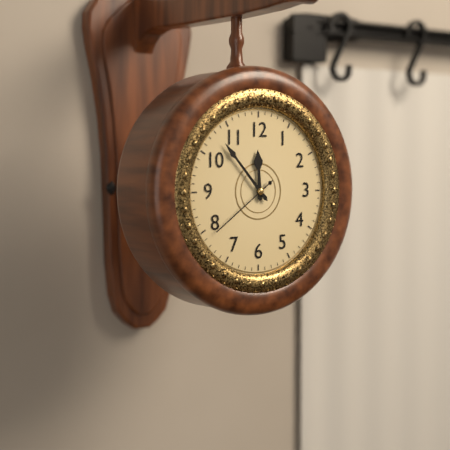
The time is 11:53:39
